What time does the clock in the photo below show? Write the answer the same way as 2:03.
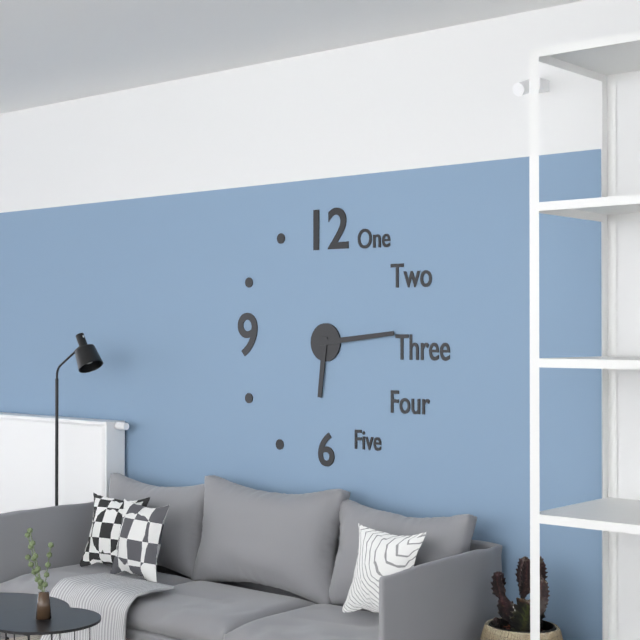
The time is 6:14
